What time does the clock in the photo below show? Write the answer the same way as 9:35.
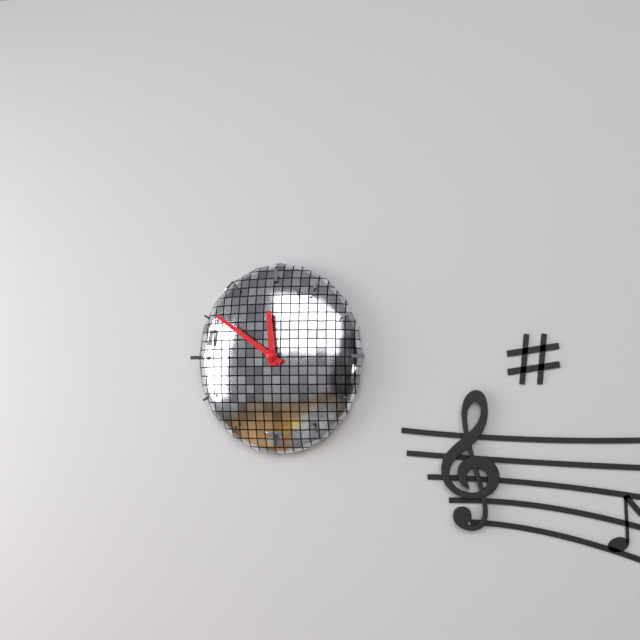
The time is 11:51
